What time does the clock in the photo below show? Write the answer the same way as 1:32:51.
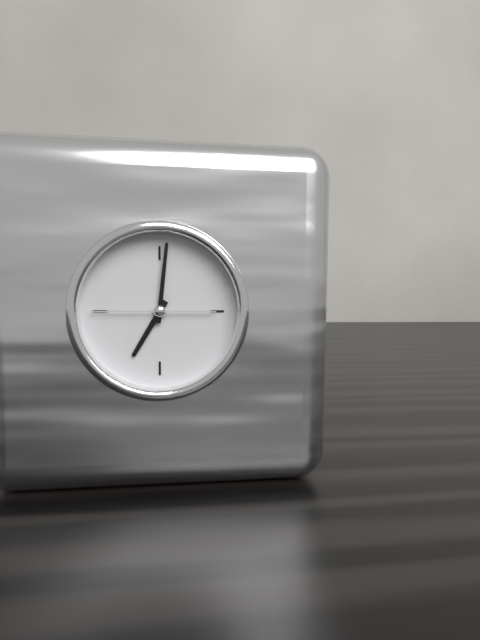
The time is 7:01:45
